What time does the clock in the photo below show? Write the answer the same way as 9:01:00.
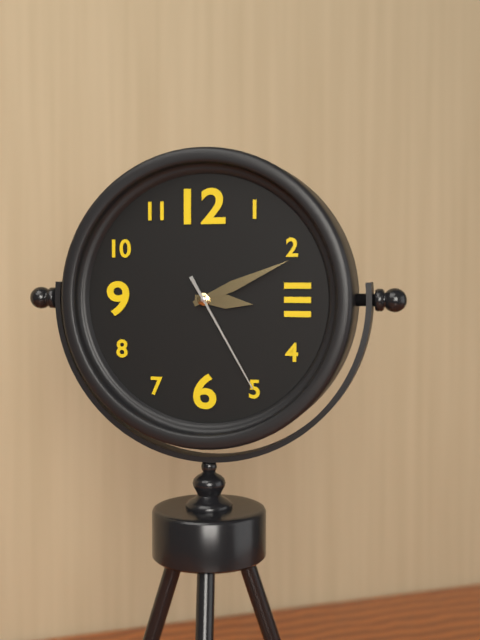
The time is 3:11:25
